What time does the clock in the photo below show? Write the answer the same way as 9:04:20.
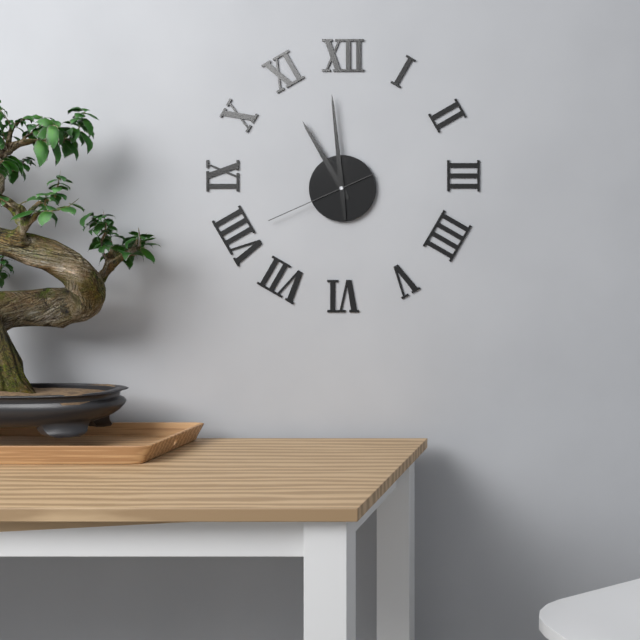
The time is 10:59:41
